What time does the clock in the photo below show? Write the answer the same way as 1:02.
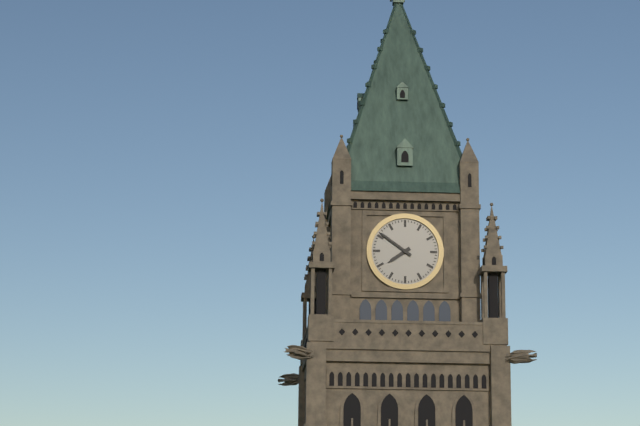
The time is 7:51
